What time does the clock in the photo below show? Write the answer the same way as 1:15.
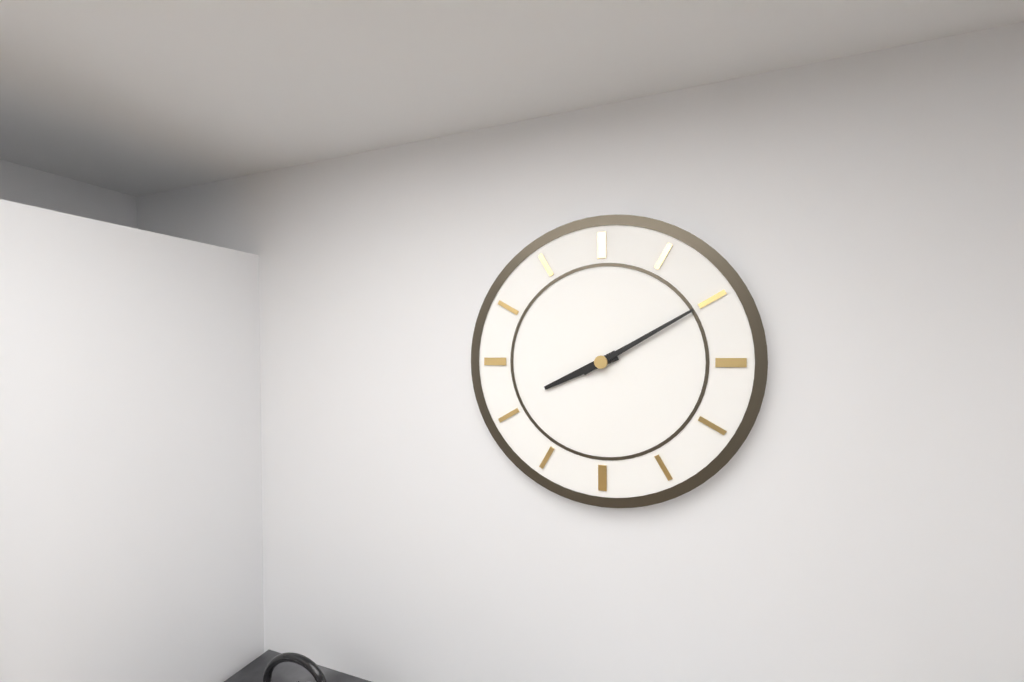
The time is 8:10
